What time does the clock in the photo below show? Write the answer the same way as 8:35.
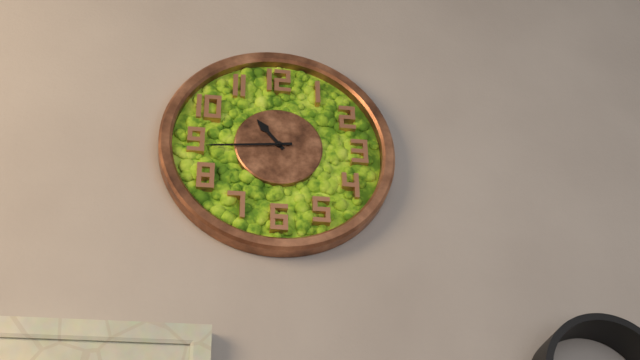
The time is 10:44
